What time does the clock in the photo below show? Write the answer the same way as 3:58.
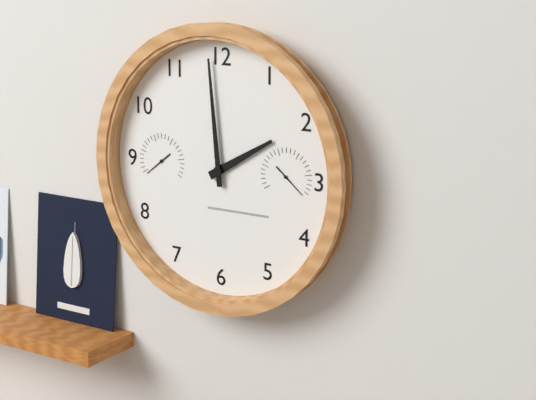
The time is 1:59
